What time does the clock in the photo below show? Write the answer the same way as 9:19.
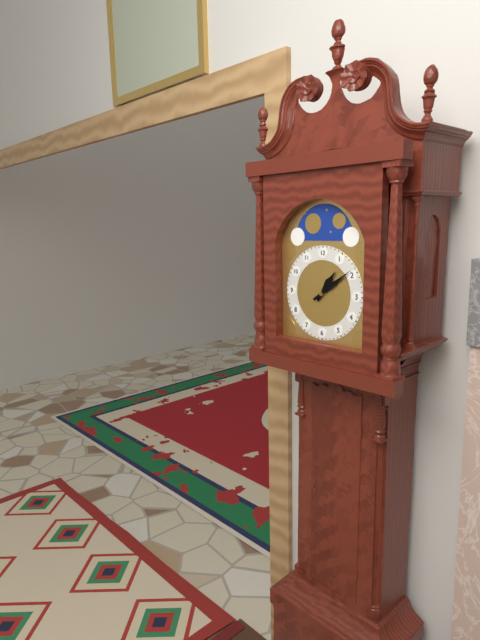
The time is 1:09
